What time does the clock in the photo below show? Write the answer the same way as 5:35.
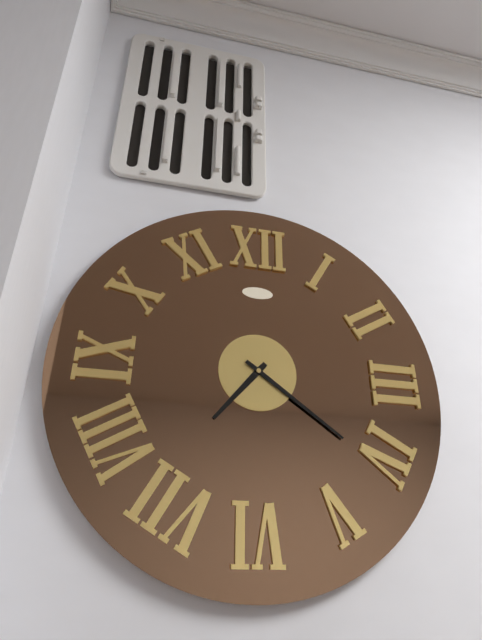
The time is 7:21
